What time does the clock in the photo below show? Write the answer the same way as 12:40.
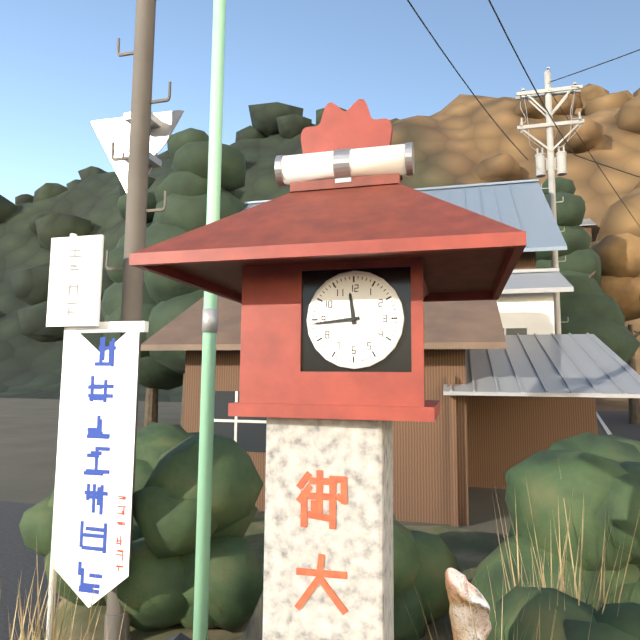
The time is 11:44
